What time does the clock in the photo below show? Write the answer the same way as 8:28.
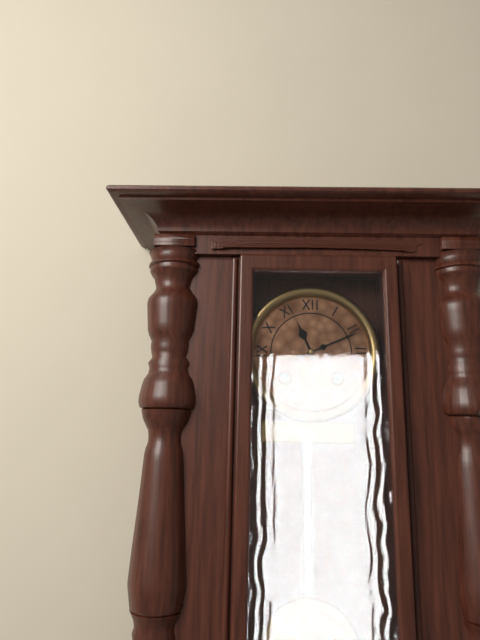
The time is 11:11
